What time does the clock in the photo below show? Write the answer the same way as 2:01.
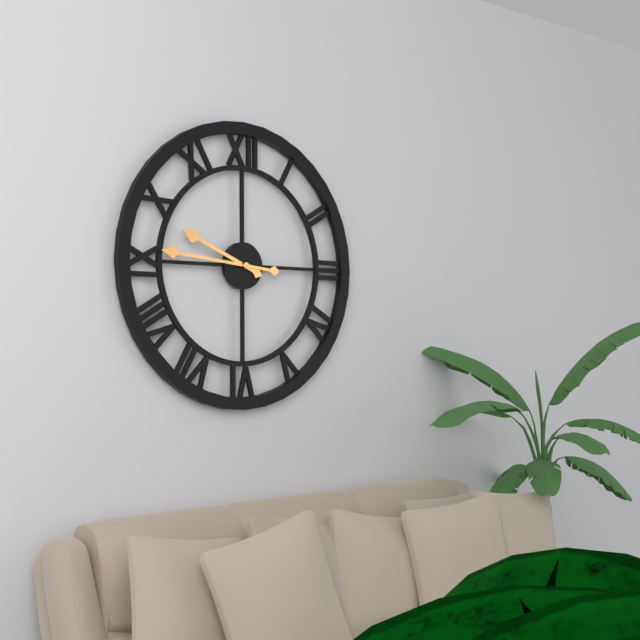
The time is 9:46
